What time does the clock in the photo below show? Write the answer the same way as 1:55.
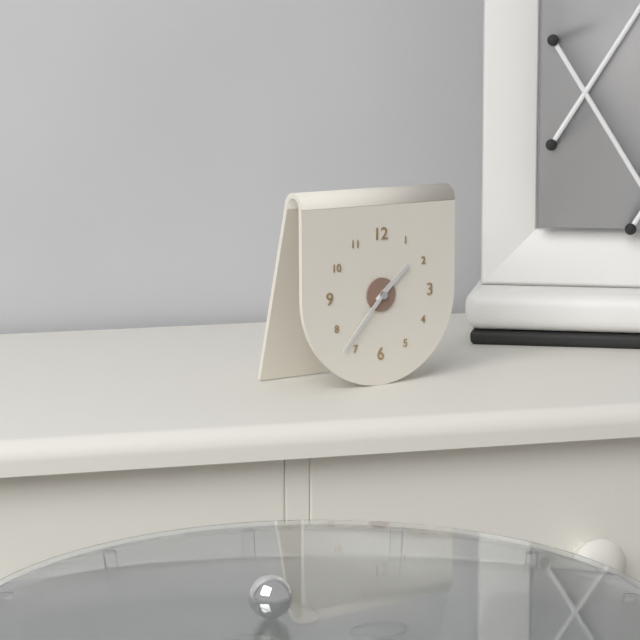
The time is 1:37
